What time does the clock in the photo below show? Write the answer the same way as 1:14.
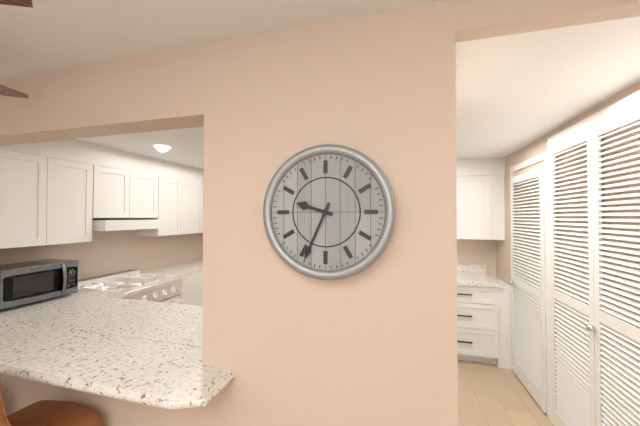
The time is 9:34
